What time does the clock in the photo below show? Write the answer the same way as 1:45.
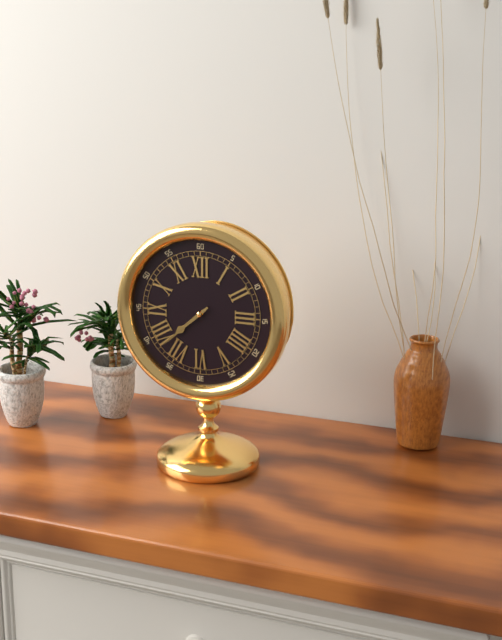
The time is 7:38
